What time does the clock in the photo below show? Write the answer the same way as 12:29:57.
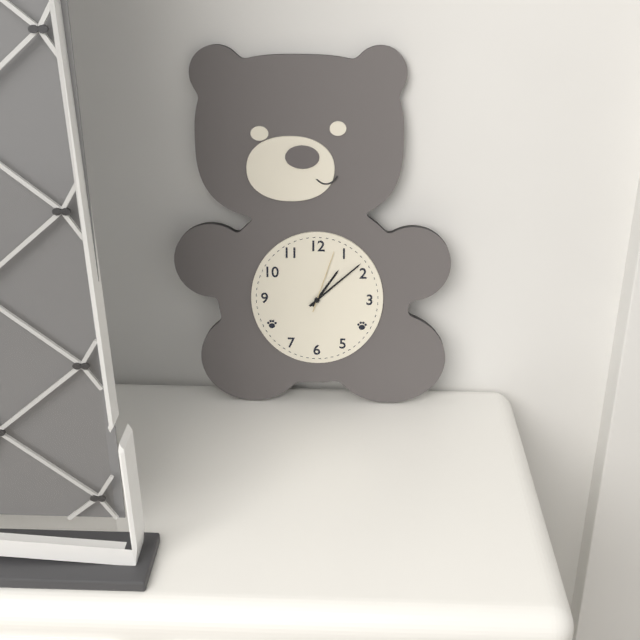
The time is 1:08:03
